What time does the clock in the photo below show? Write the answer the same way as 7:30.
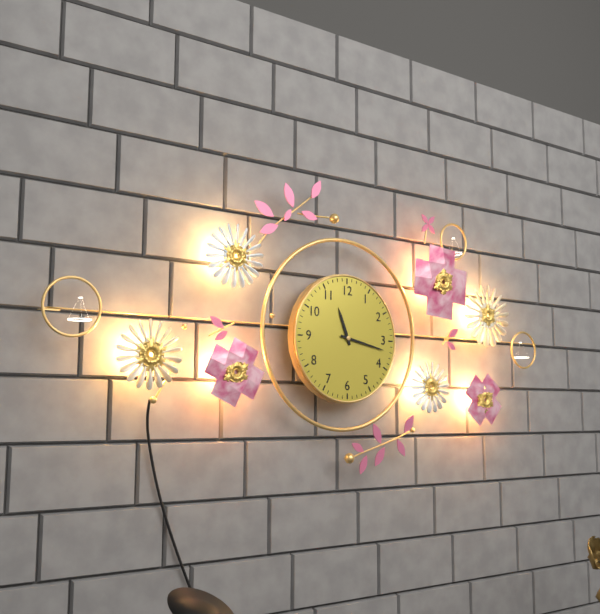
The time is 11:17
